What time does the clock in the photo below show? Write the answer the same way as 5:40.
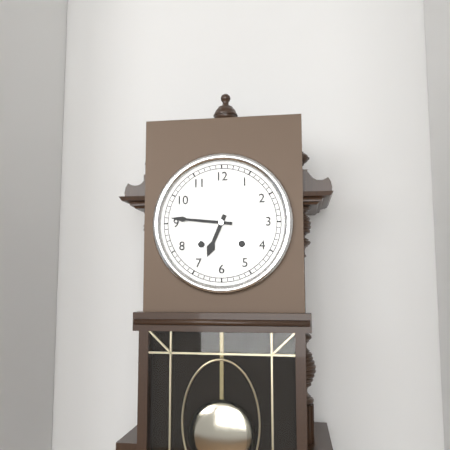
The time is 6:46
